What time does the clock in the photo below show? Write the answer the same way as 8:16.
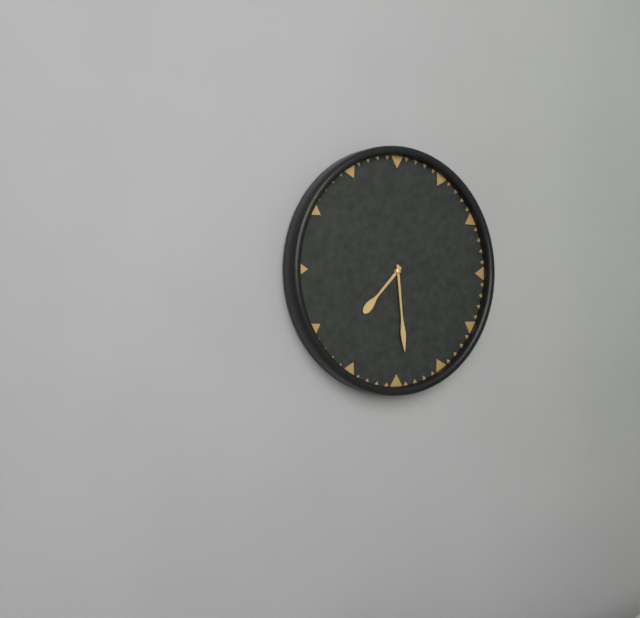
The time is 7:29
